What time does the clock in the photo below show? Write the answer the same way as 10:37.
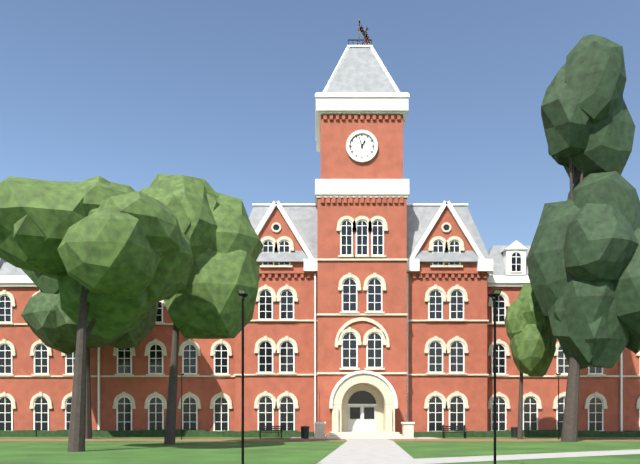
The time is 12:57
